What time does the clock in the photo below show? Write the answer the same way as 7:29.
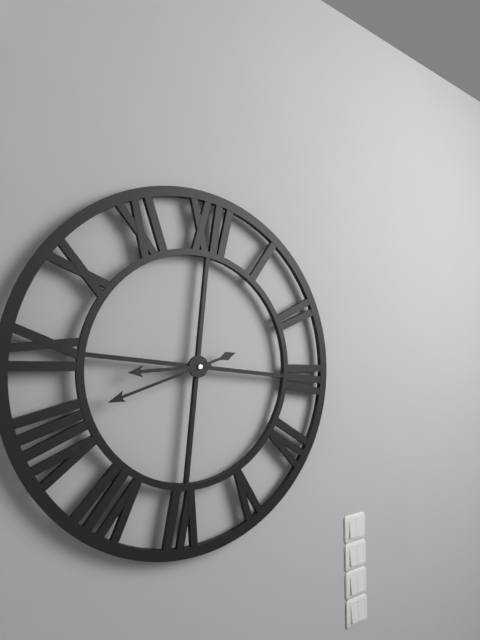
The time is 8:41
